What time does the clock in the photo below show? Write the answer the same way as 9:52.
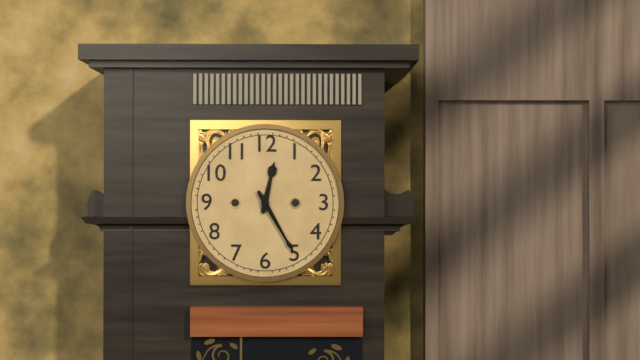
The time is 12:25
